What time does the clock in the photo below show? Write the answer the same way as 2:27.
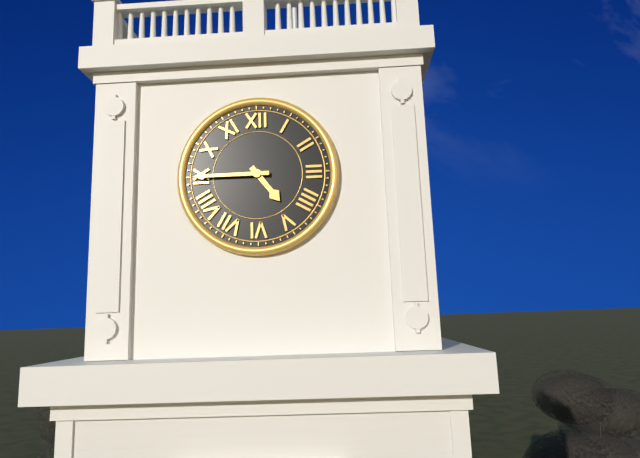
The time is 4:45
